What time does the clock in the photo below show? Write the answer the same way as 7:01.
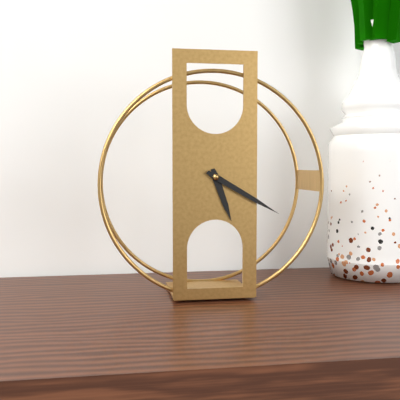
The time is 5:20
